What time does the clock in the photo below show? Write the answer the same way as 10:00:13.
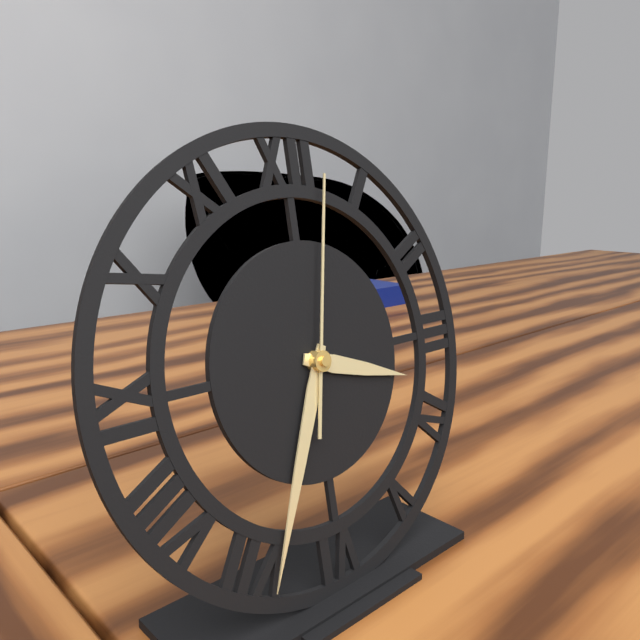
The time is 3:34:02
